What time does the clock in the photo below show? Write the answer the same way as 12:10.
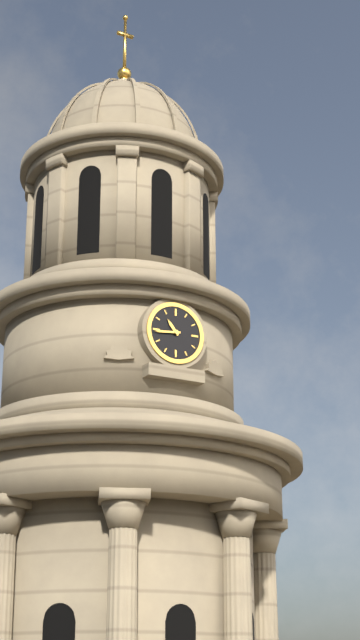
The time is 10:44
